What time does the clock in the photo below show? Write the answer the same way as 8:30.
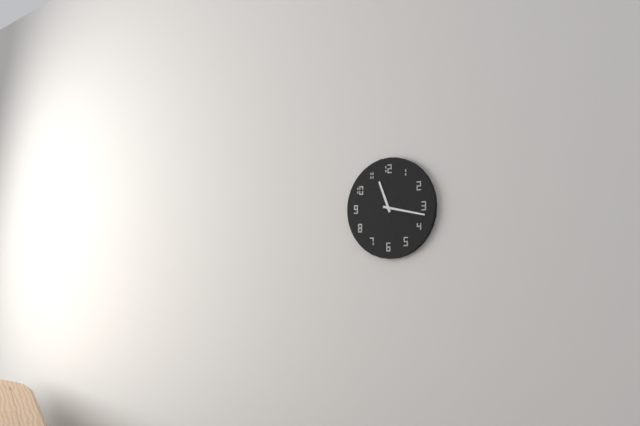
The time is 11:17
